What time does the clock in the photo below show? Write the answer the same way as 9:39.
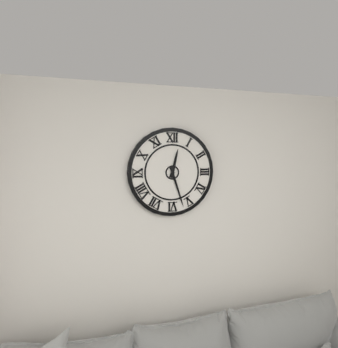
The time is 12:27
